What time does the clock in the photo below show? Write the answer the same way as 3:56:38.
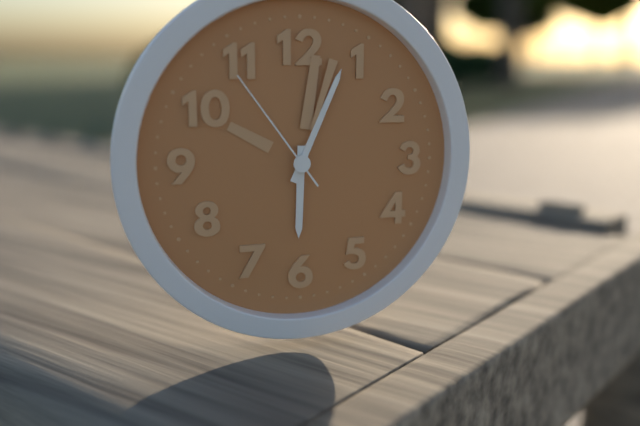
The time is 6:04:54
